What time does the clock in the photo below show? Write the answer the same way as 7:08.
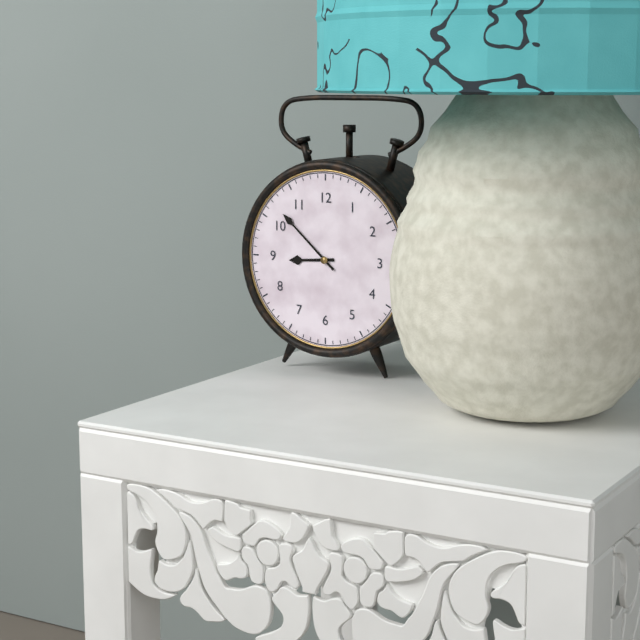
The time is 8:52
